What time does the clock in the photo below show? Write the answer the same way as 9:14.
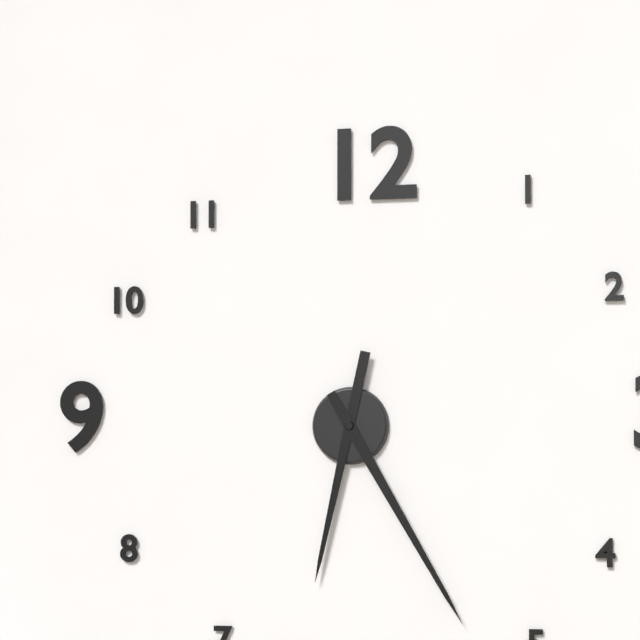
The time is 6:25
